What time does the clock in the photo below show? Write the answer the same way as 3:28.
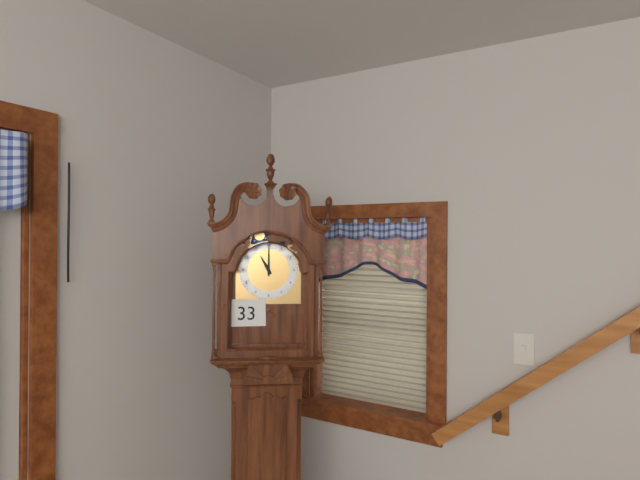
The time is 11:00
